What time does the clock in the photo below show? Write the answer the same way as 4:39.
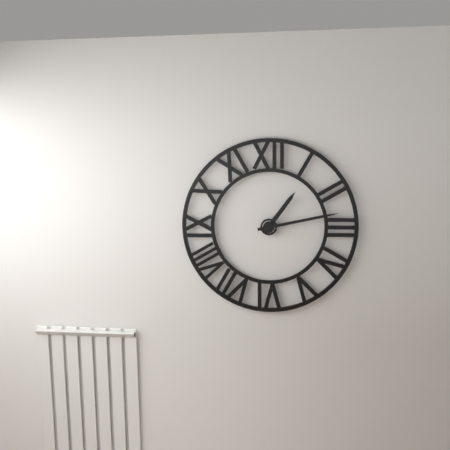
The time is 1:13
